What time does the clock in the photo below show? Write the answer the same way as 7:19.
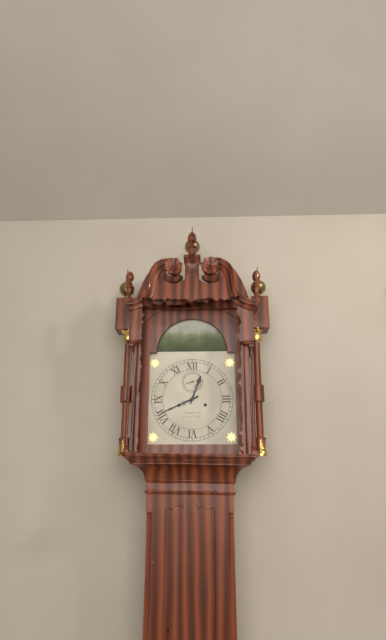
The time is 12:41
